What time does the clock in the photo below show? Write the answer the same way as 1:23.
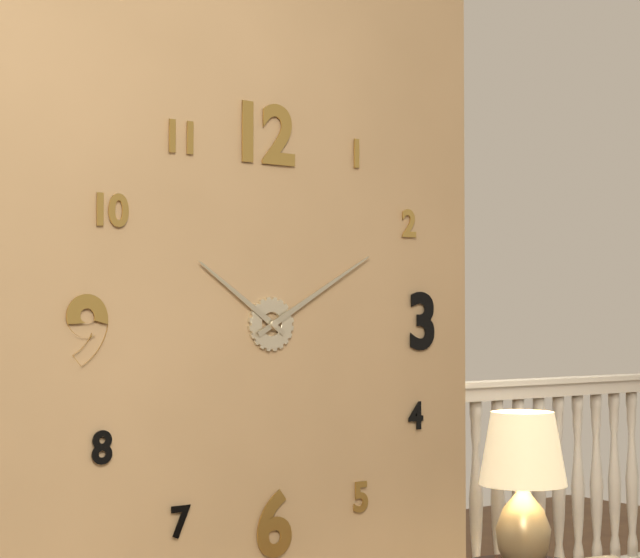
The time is 10:10
